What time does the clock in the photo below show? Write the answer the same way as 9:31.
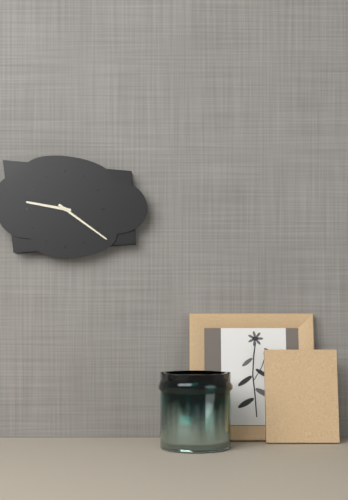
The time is 9:21
